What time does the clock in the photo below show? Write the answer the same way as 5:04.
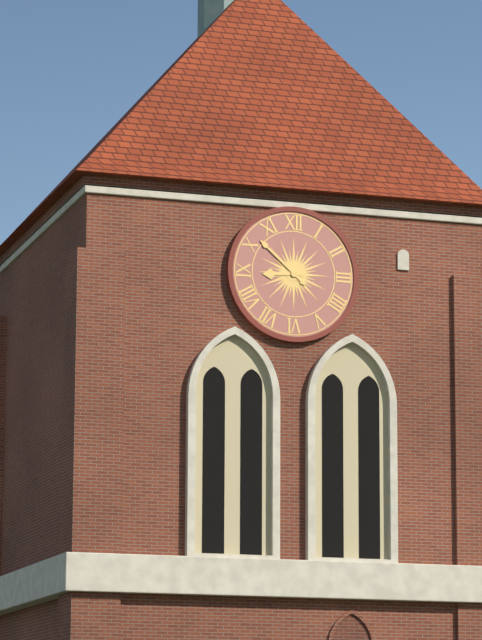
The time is 8:52
